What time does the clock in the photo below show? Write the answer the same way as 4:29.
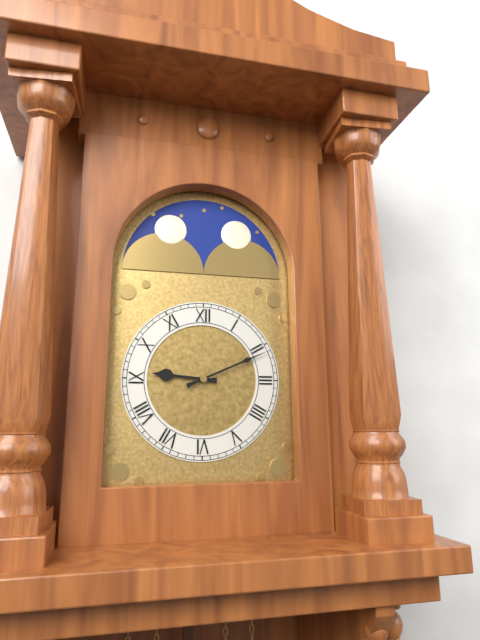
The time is 9:11
